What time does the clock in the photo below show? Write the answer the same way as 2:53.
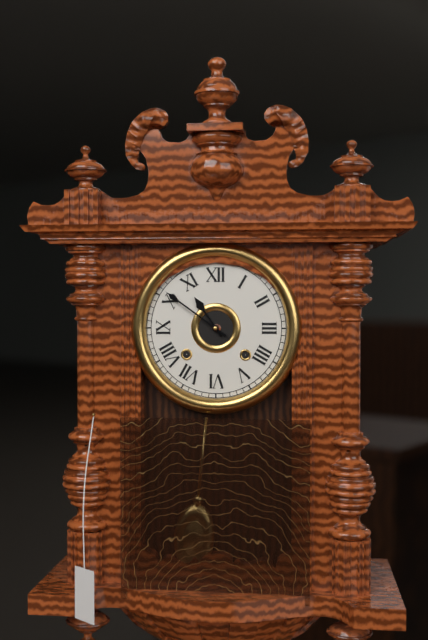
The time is 10:51
